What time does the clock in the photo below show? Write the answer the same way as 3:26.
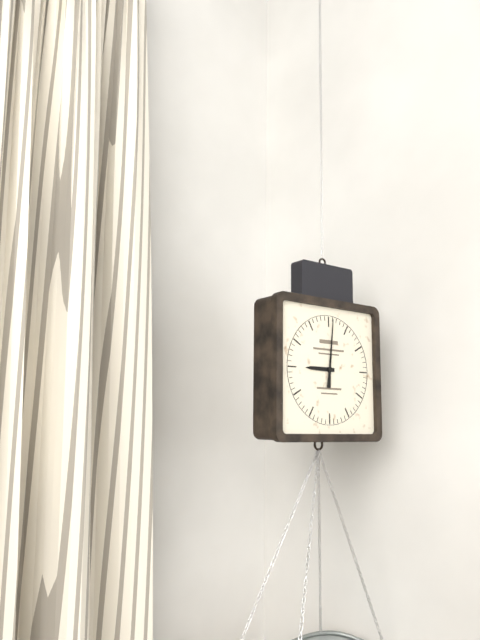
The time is 9:01
